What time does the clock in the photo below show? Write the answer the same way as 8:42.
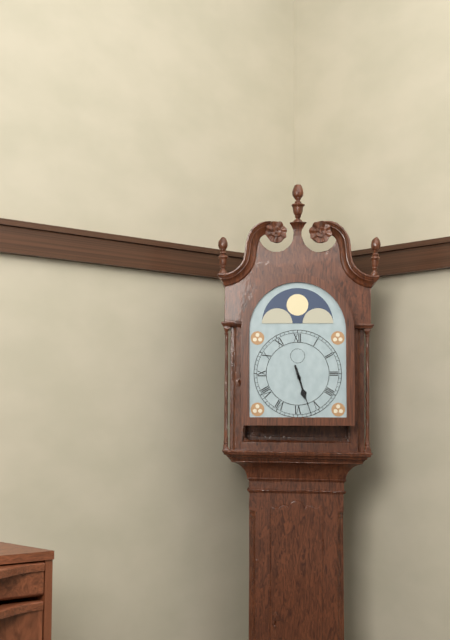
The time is 5:27
